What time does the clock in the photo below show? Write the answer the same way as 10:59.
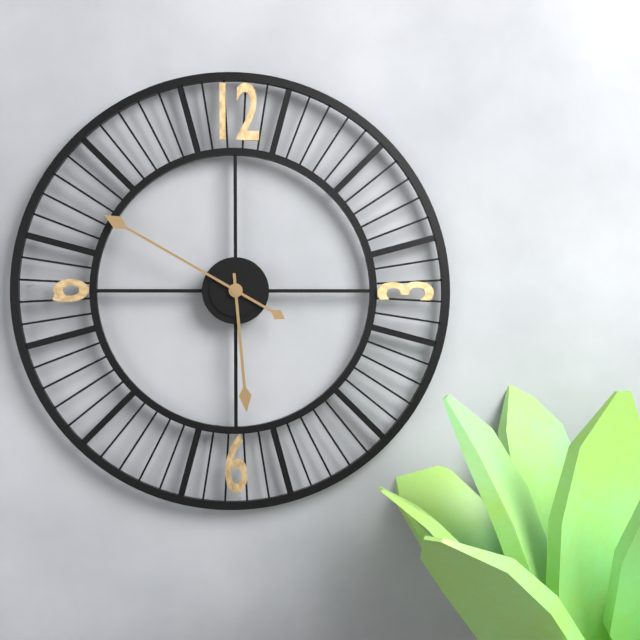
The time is 5:50
